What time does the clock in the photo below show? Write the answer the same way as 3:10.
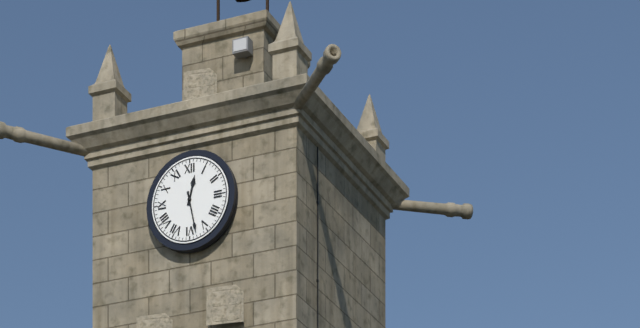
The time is 12:28
